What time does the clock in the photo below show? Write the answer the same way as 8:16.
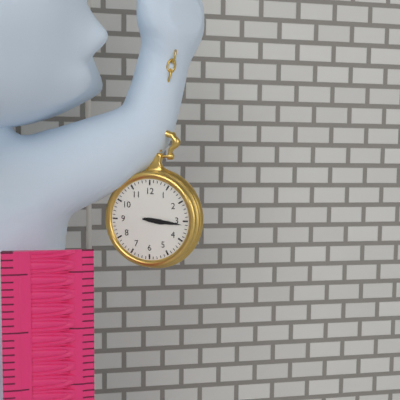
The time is 3:16
